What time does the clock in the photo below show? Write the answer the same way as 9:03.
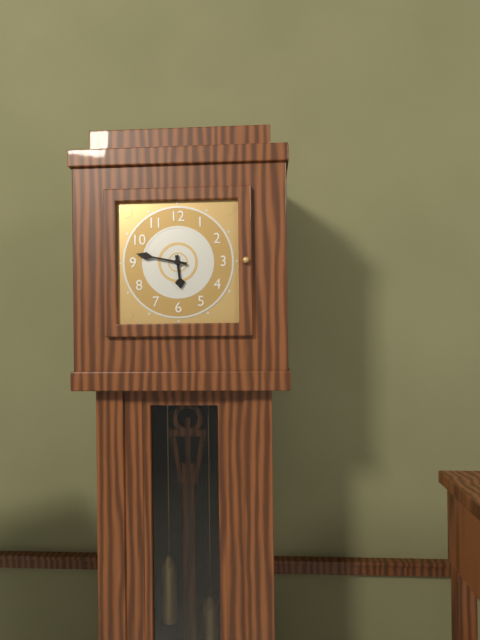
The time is 5:47
